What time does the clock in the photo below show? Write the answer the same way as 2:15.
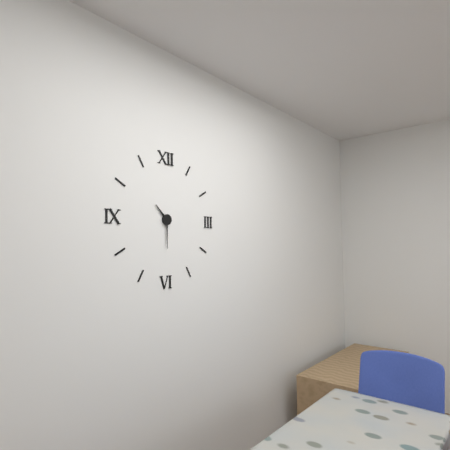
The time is 10:30
